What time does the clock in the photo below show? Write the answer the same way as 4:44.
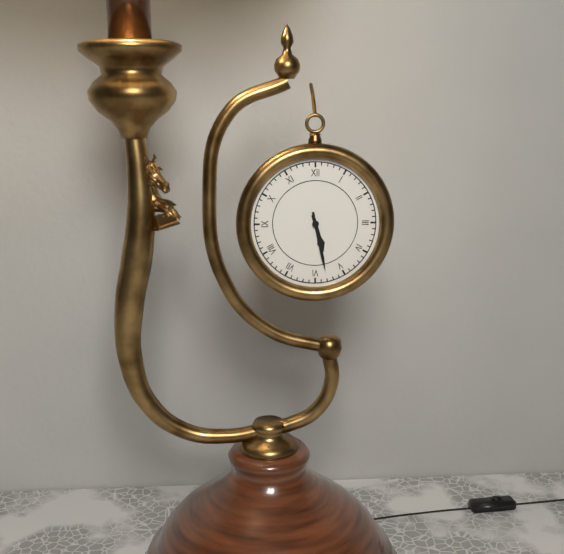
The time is 5:28
